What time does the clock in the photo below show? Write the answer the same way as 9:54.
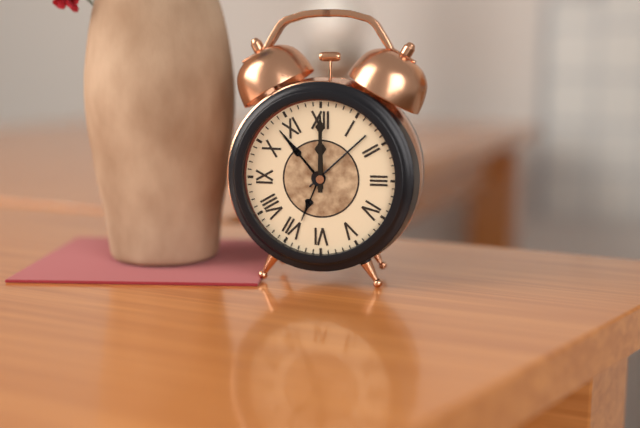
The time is 12:00
